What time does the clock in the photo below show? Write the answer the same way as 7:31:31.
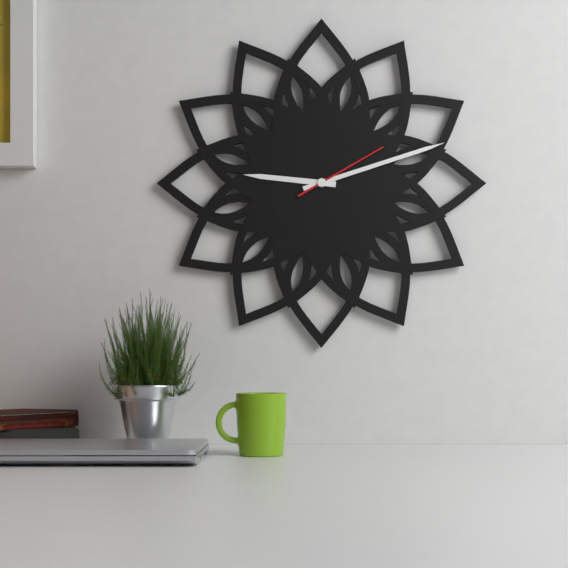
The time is 9:12:10
